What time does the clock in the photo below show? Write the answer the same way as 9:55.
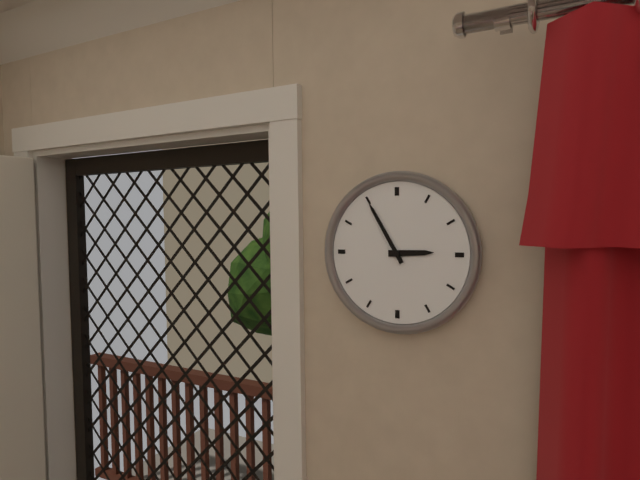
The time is 2:55
